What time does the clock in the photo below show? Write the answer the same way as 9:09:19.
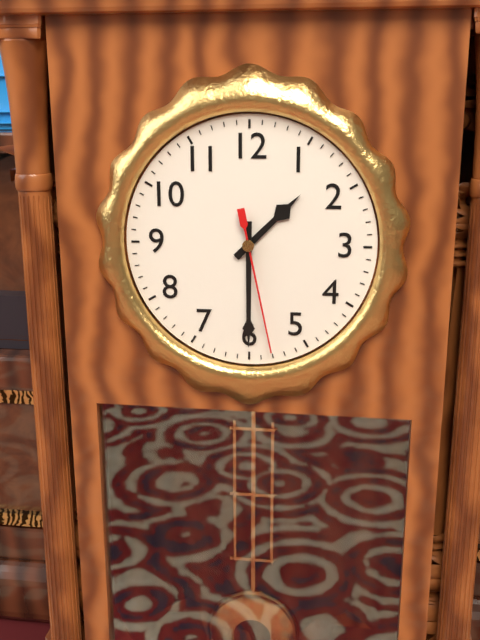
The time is 1:30:28
